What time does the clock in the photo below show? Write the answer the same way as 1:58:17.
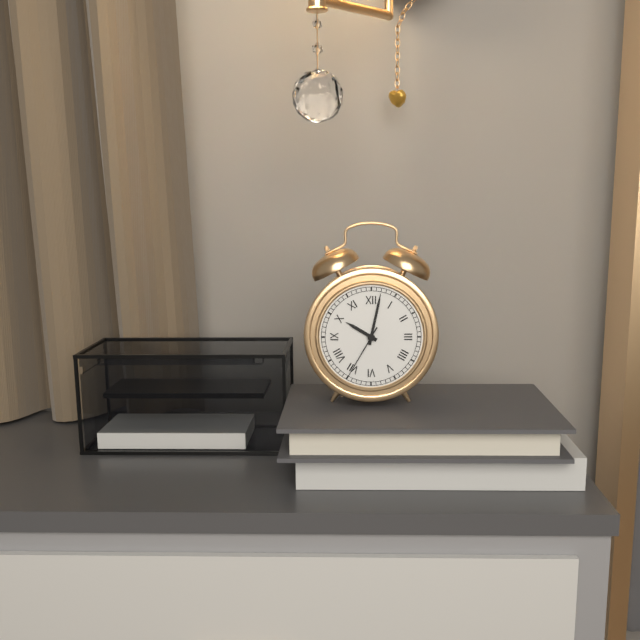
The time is 10:02:35
